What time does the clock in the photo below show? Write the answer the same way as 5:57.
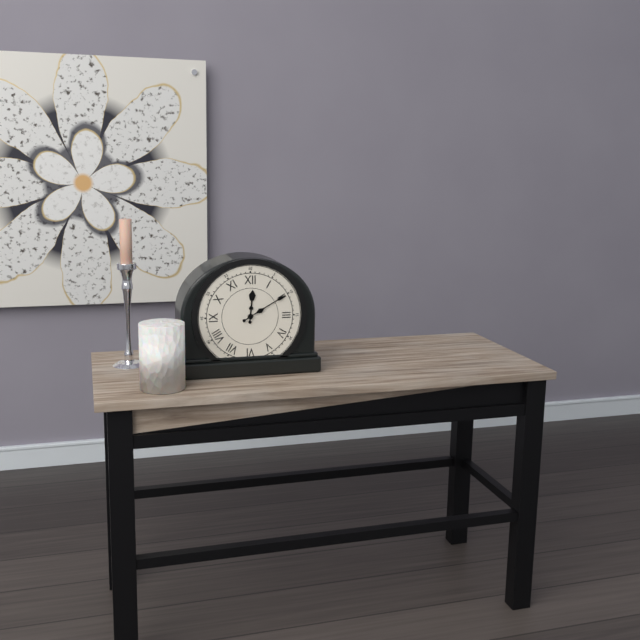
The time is 12:10
